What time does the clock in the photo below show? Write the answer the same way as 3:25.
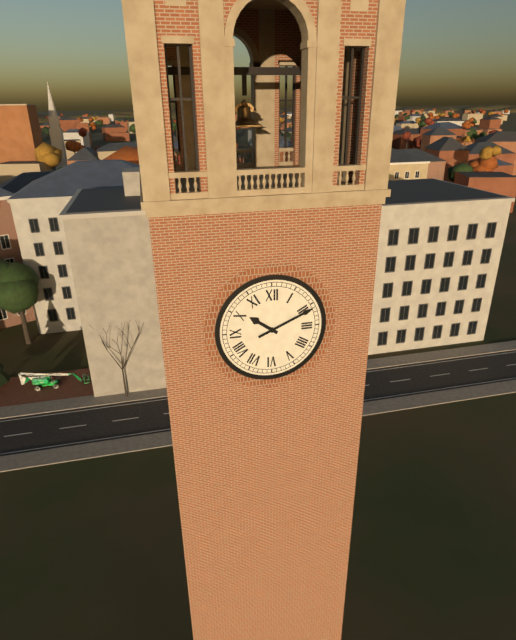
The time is 10:11
